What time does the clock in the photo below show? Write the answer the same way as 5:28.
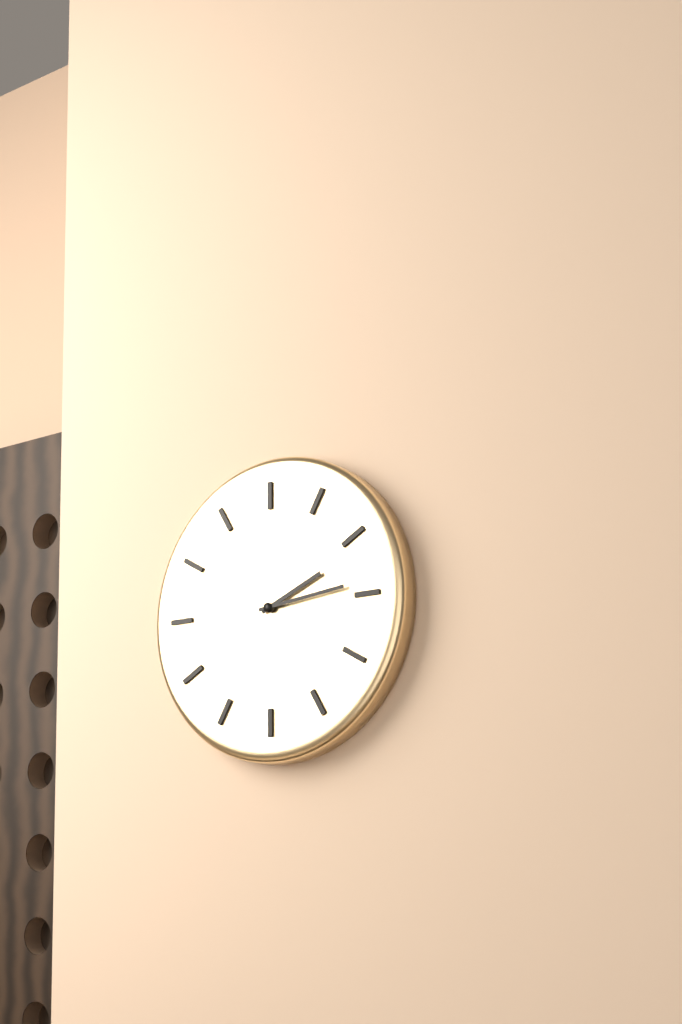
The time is 2:14
